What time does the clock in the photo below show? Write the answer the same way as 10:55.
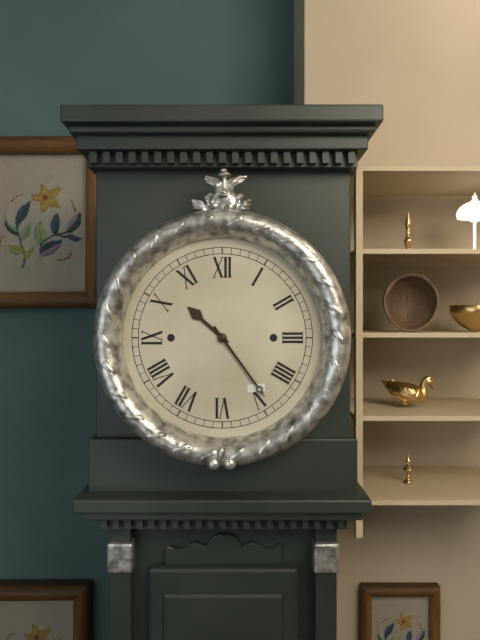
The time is 10:24
